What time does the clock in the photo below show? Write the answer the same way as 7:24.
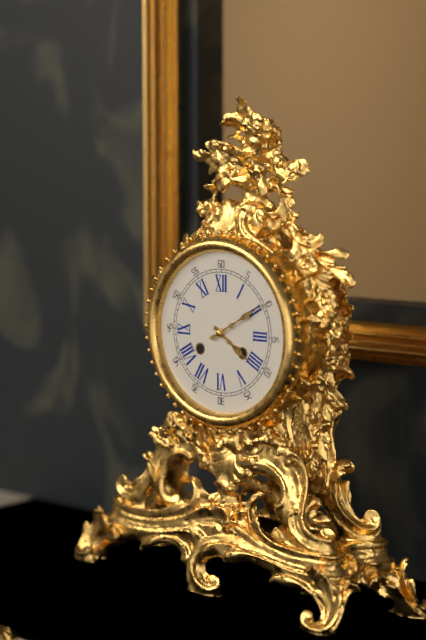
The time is 4:10
